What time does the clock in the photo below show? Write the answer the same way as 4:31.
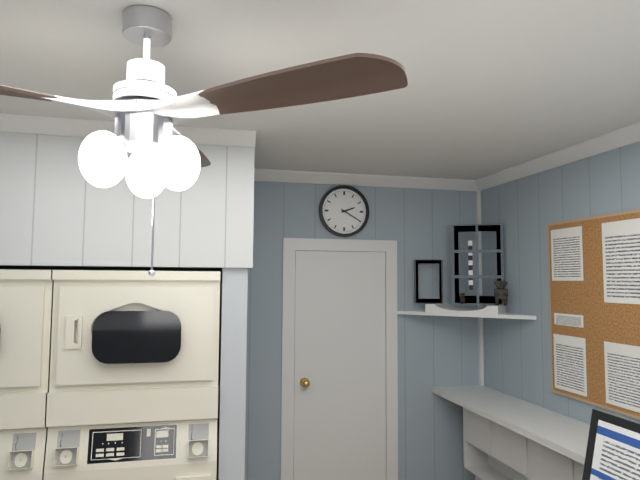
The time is 2:20
